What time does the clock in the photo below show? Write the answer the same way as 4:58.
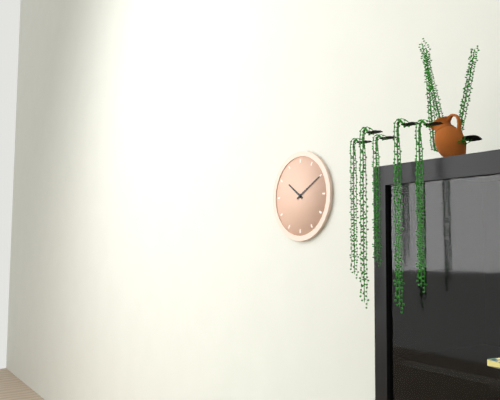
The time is 10:10
